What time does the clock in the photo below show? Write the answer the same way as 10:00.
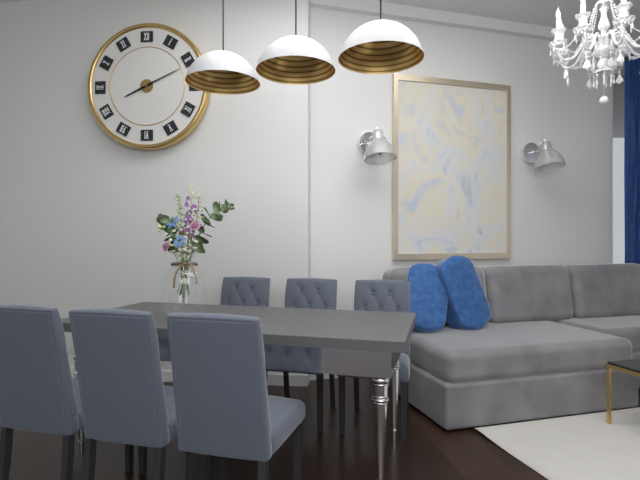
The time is 8:11
